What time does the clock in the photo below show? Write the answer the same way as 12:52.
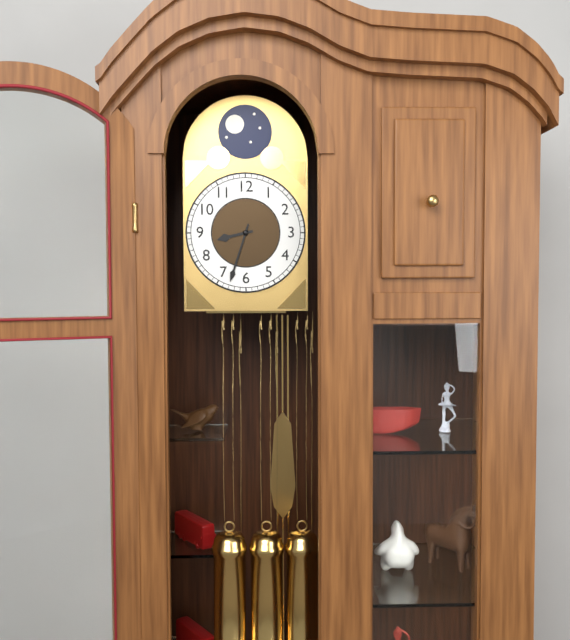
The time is 8:33
